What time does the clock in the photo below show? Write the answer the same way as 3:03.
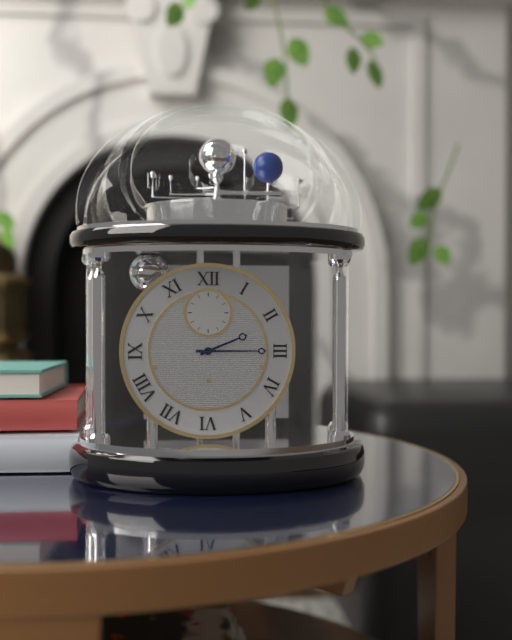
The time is 2:15
